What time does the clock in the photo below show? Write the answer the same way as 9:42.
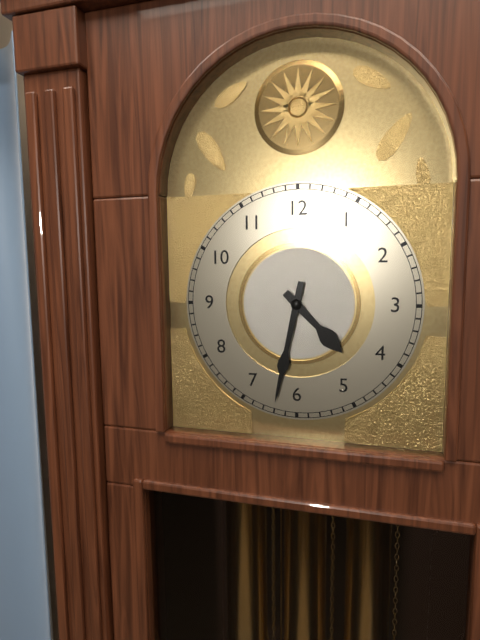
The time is 4:32
